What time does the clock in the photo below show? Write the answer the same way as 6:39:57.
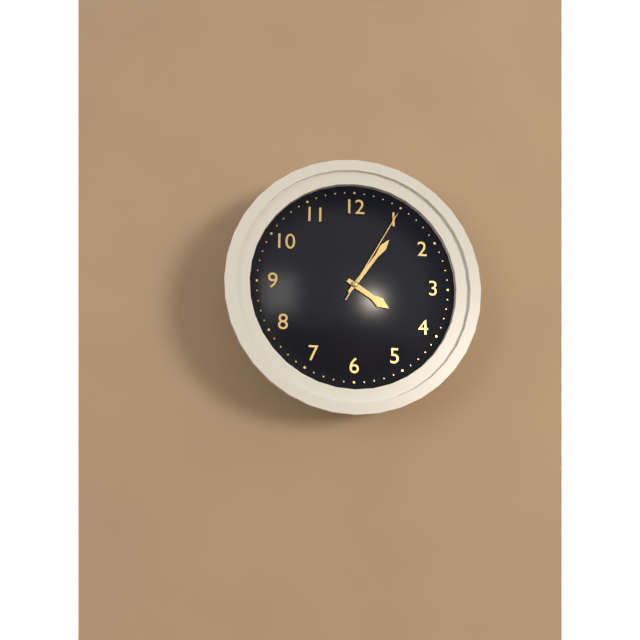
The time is 4:06:05
